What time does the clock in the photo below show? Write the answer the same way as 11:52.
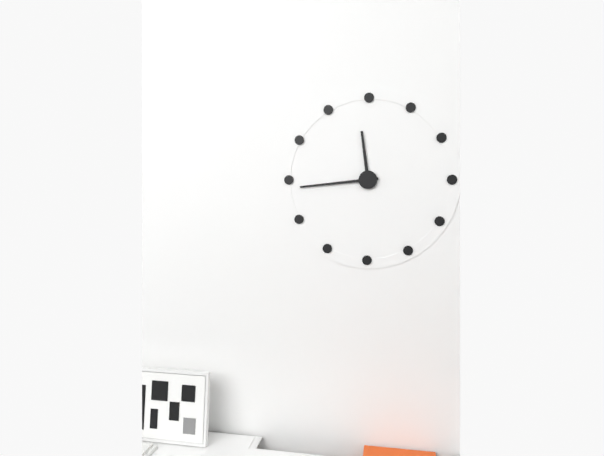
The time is 11:44
